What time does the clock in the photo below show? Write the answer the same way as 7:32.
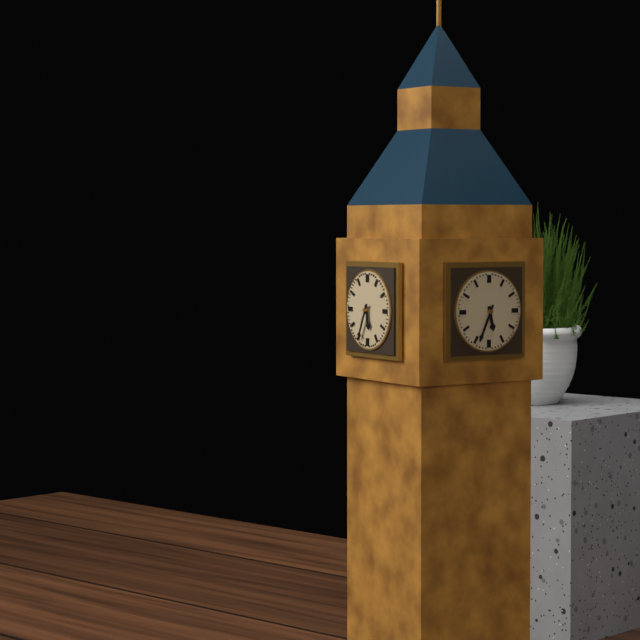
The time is 5:34
